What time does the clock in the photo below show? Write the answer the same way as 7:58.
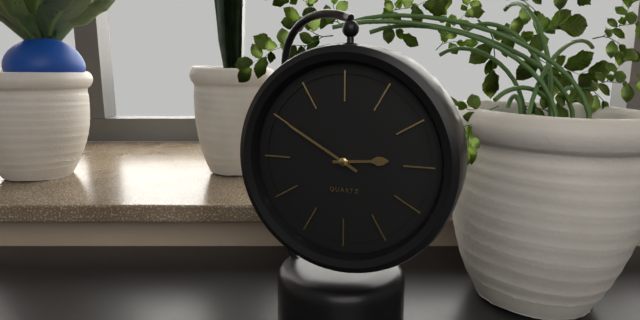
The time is 2:50
